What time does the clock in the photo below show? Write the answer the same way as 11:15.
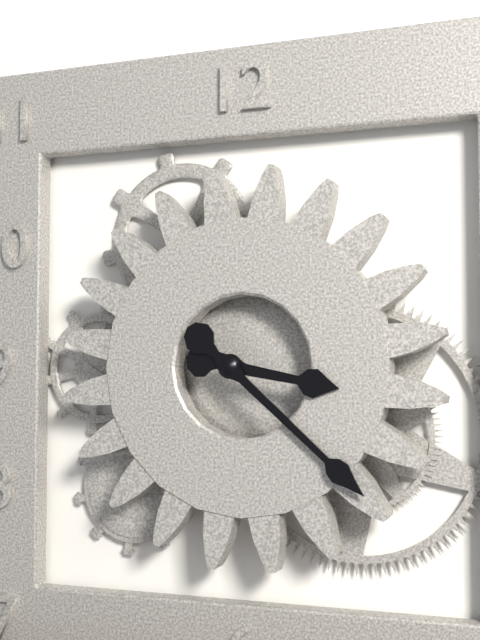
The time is 3:22
